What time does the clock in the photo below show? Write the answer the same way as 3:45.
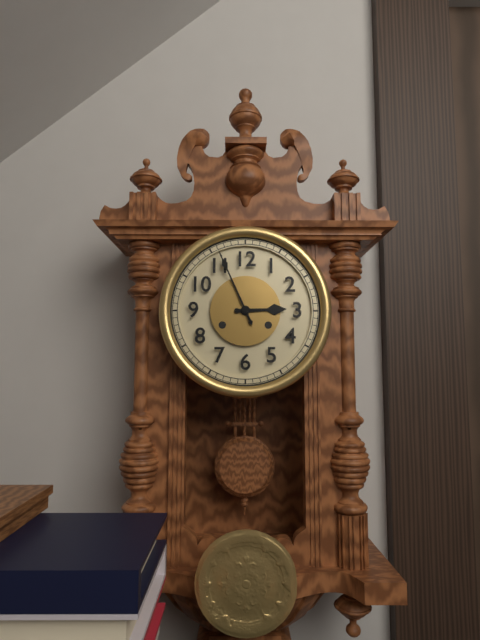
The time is 2:56
